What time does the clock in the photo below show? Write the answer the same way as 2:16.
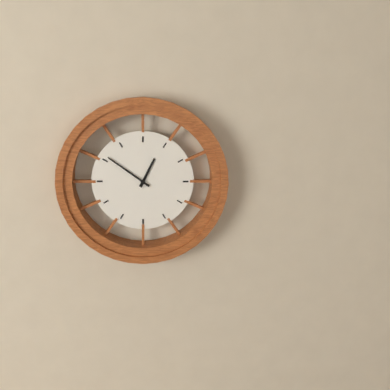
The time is 12:51
